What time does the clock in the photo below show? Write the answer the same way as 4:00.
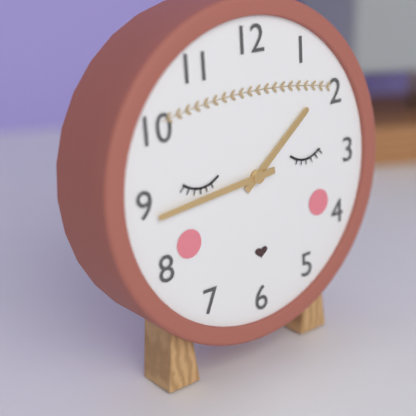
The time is 1:44
